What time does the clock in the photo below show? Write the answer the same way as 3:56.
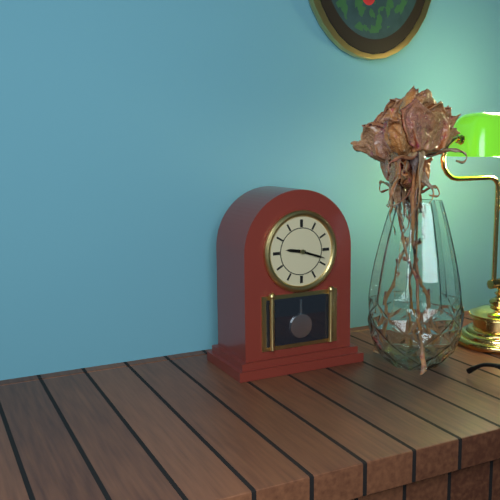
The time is 9:18
